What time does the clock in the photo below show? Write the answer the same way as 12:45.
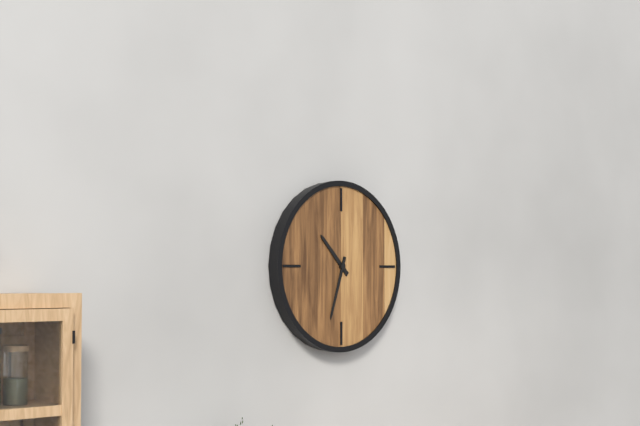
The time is 10:33
